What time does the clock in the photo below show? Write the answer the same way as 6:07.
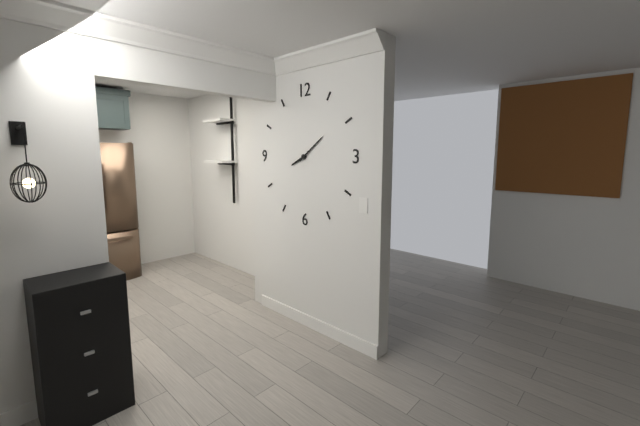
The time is 8:09
